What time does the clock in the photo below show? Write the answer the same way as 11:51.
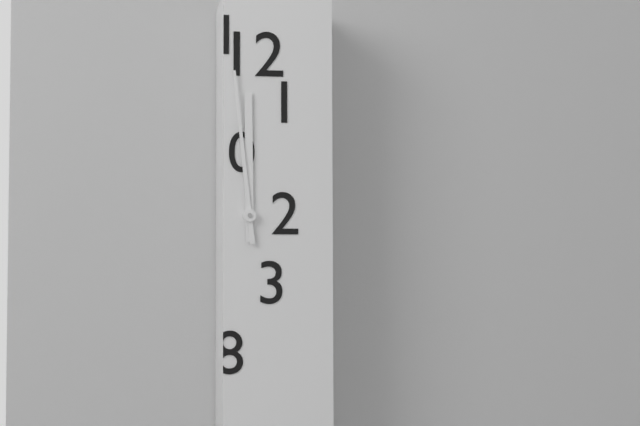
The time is 11:59
